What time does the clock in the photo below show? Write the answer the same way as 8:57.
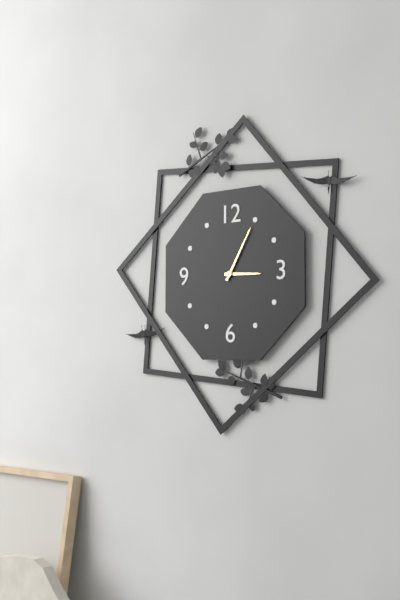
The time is 3:05
